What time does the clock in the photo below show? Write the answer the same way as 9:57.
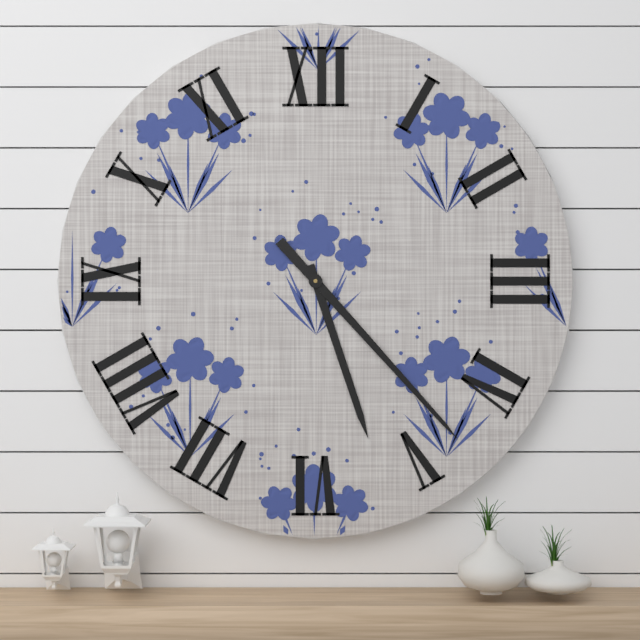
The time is 5:23
